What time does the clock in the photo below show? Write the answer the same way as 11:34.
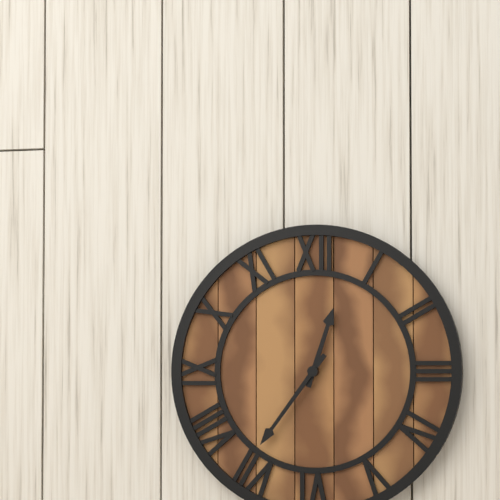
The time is 12:36
